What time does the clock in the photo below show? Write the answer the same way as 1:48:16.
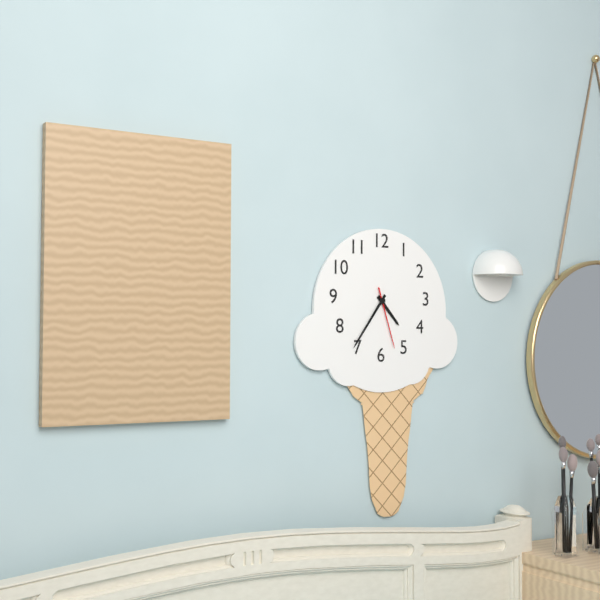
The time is 4:36:27
